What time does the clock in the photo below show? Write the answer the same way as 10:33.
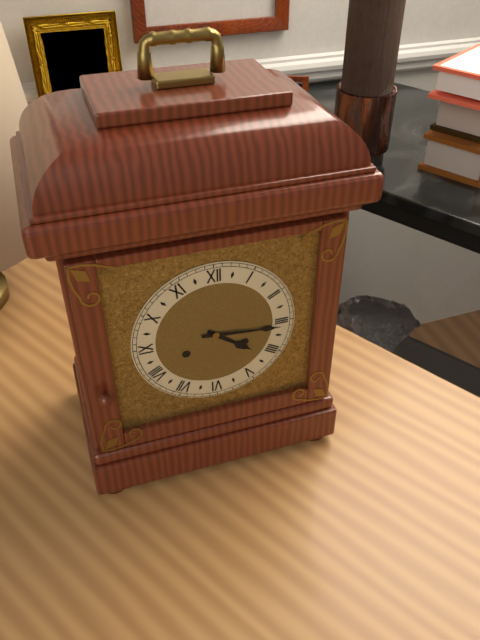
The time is 4:16
